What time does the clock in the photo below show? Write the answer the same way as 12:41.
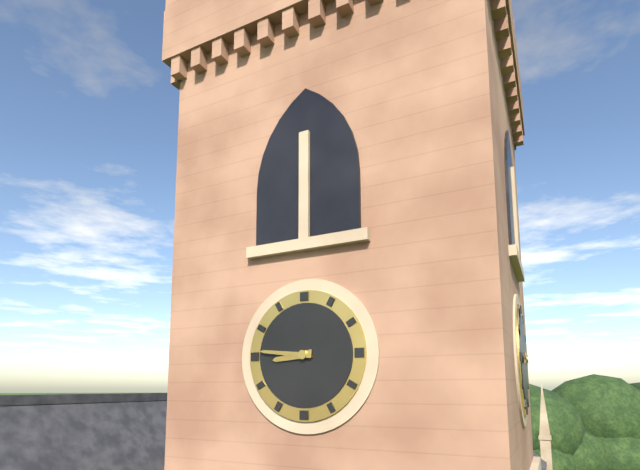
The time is 8:46
